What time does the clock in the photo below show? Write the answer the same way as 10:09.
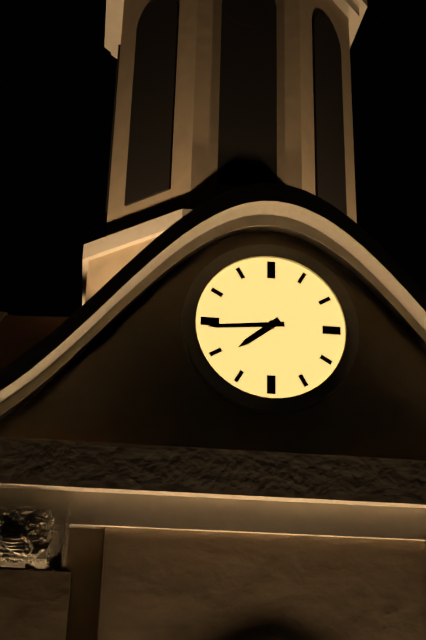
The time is 7:44
